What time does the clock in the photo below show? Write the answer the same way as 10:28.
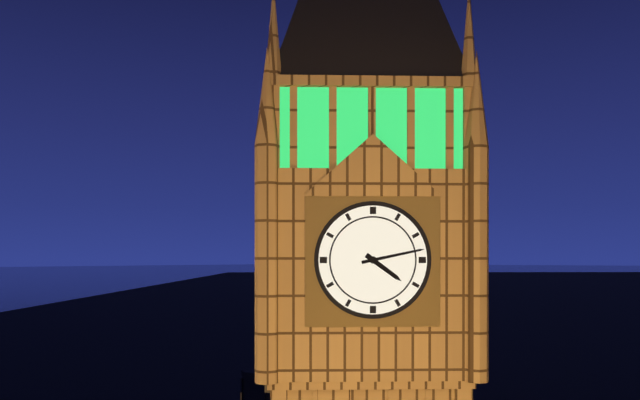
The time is 4:13
